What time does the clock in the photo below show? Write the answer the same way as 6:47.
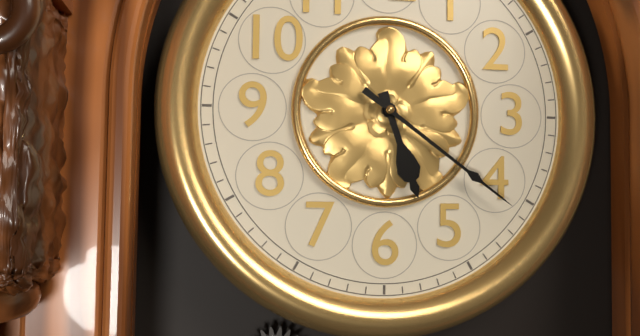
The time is 5:21
